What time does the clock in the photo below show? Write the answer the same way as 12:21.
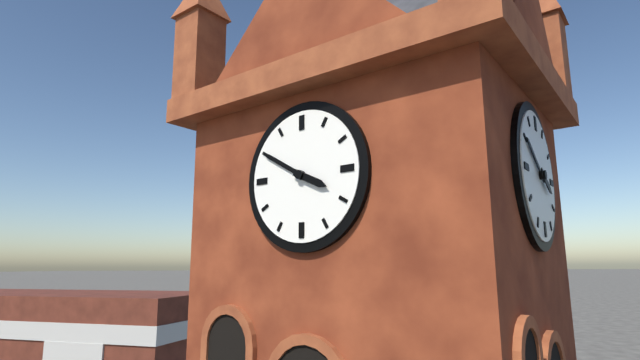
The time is 3:50
